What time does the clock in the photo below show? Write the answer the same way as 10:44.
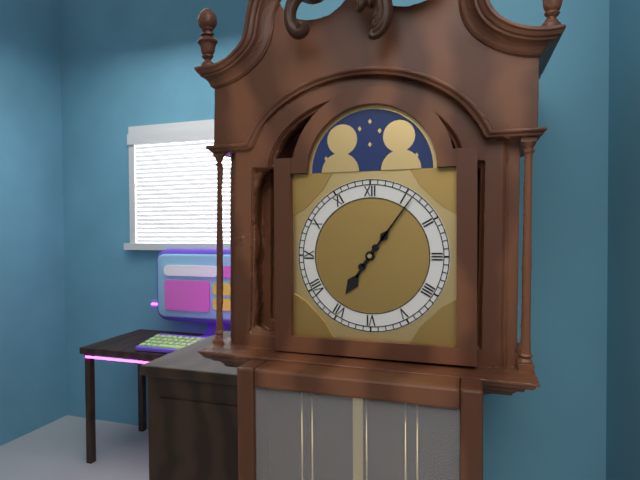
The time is 7:06
